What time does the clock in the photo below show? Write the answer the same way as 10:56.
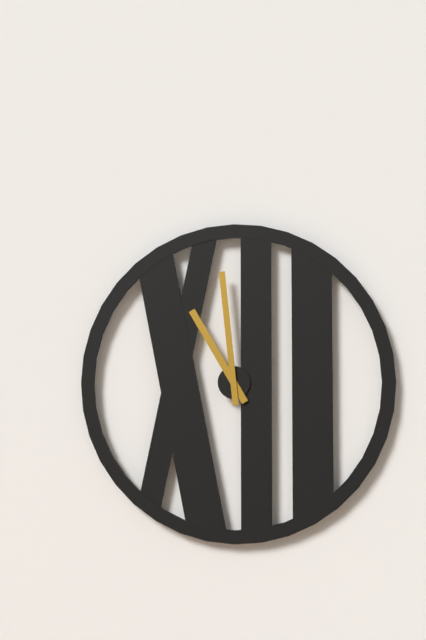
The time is 10:59
